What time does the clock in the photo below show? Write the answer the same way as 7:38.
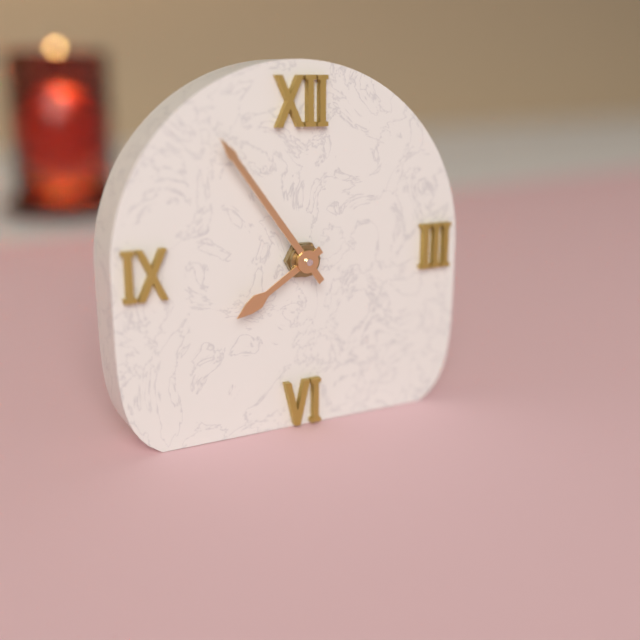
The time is 7:54
